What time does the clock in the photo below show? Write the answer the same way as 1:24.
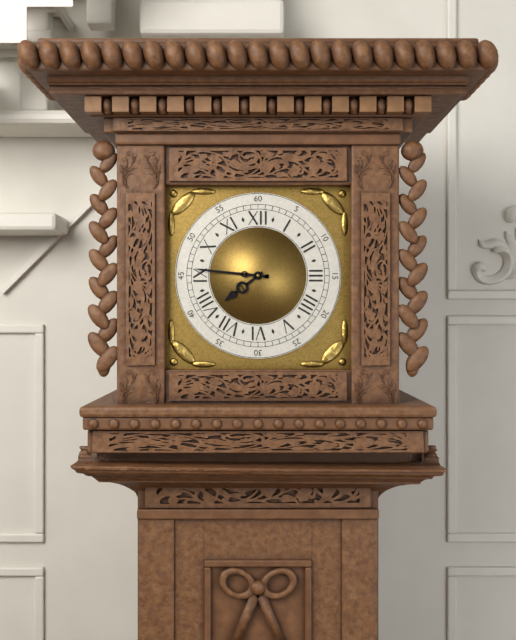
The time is 7:46
